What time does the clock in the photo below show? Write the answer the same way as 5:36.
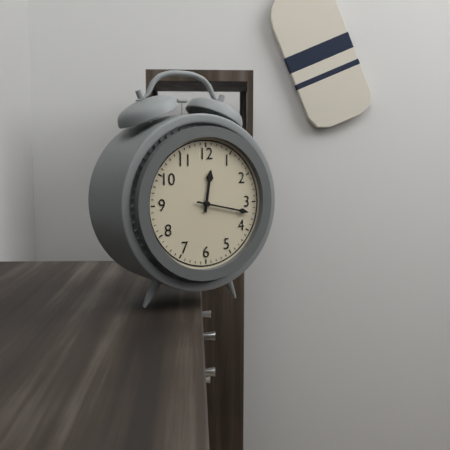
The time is 12:17
